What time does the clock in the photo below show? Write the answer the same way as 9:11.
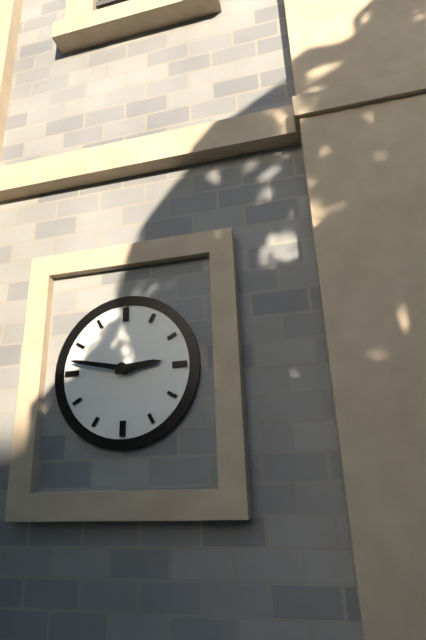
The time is 2:47
